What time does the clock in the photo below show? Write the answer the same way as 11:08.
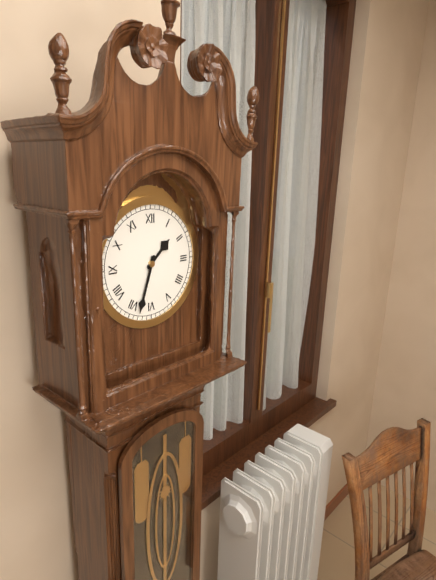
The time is 1:33
